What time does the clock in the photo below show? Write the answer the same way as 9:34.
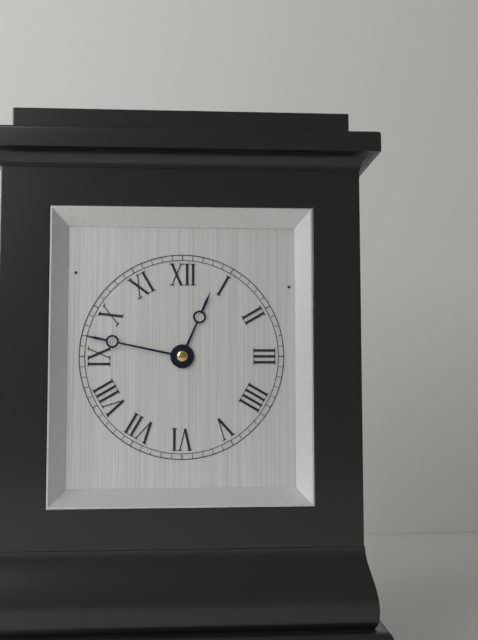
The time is 12:47
